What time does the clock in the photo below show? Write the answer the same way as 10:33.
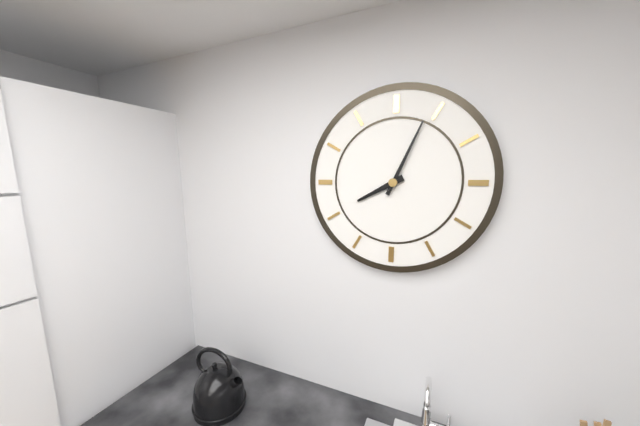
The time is 8:04
